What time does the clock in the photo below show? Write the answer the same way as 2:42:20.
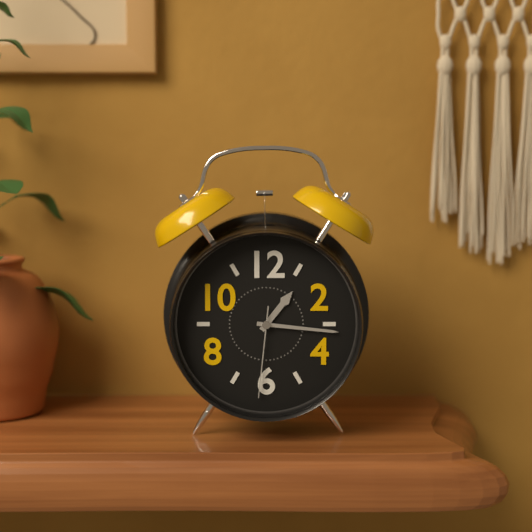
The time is 1:16:31
